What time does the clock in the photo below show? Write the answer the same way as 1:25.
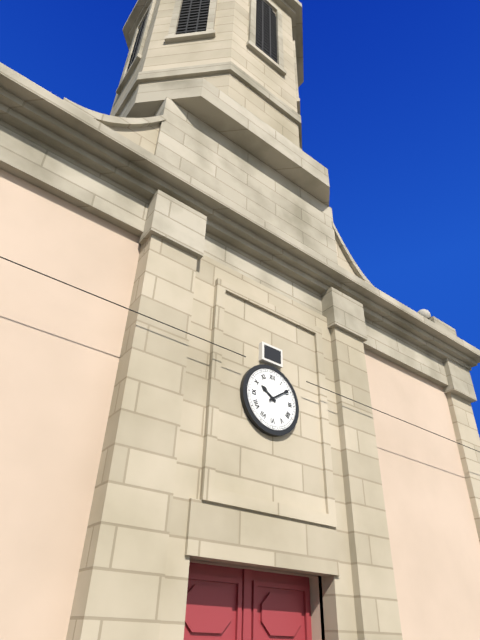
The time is 10:09
